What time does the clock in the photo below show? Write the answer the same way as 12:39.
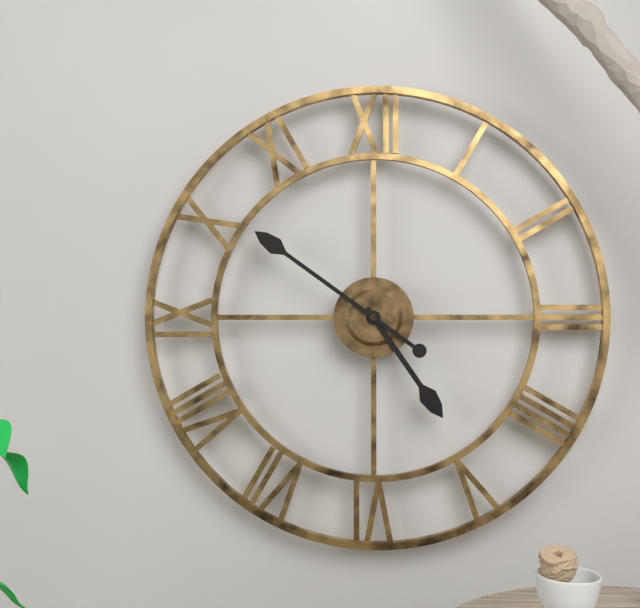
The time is 4:51
